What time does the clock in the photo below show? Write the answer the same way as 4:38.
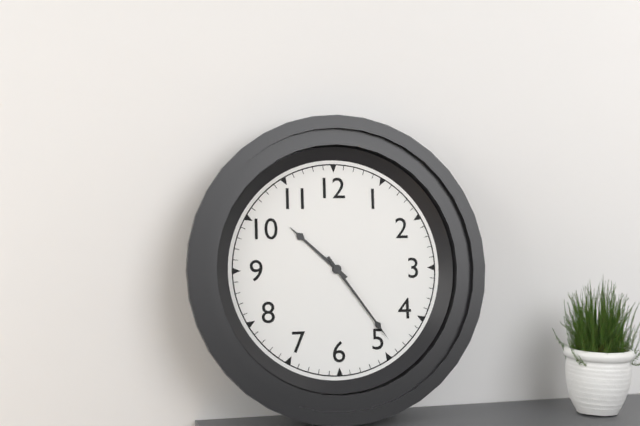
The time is 10:24
